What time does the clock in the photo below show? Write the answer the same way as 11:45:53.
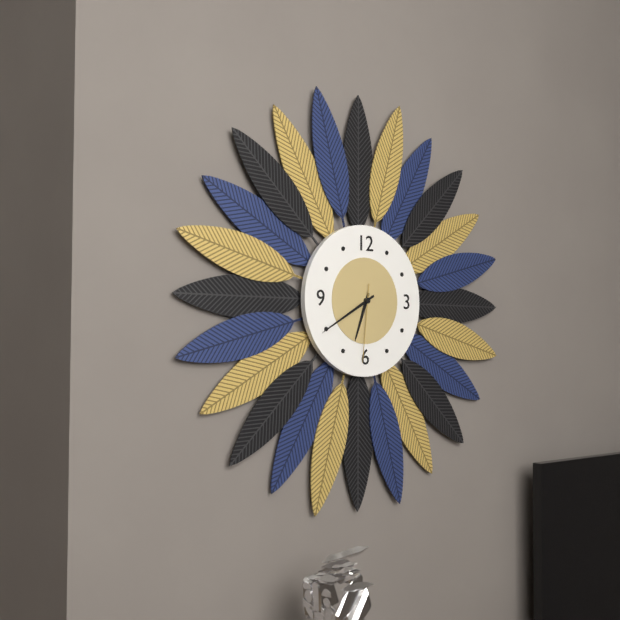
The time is 6:40:31
